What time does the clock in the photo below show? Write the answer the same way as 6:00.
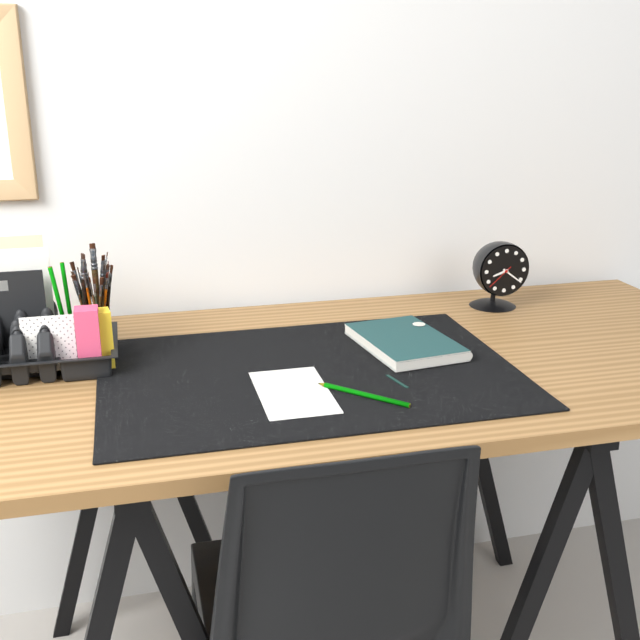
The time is 8:21
